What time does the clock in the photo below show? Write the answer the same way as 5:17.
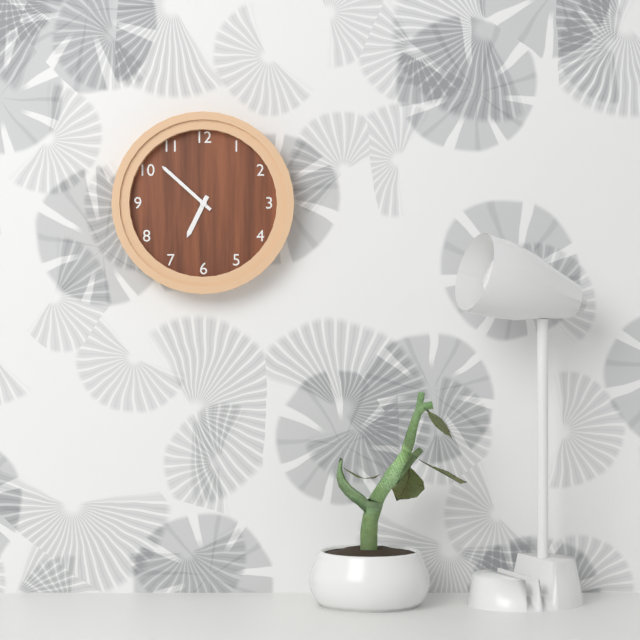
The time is 6:52
